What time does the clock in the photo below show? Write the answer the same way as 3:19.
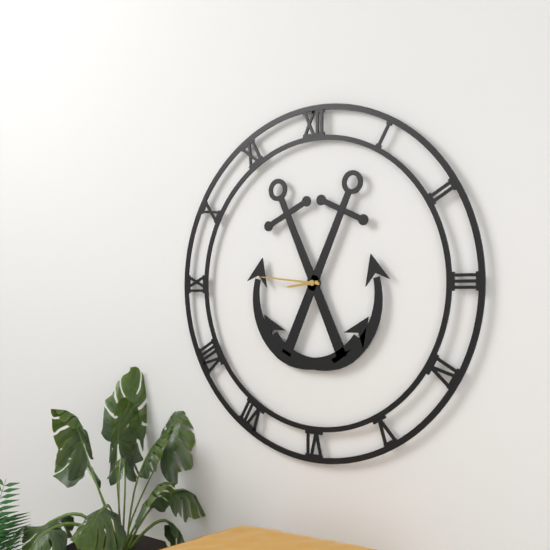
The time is 8:46
